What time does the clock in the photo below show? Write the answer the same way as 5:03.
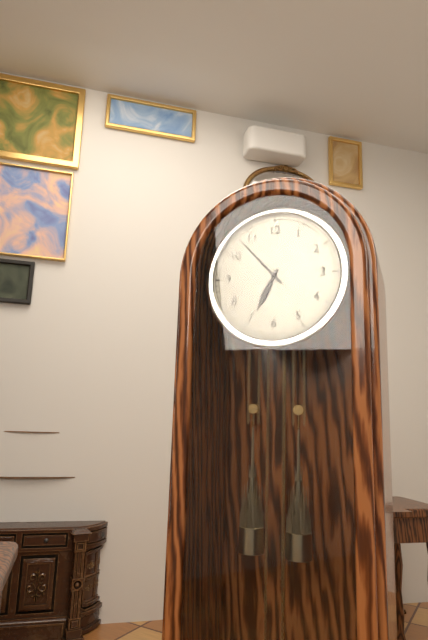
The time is 6:53
